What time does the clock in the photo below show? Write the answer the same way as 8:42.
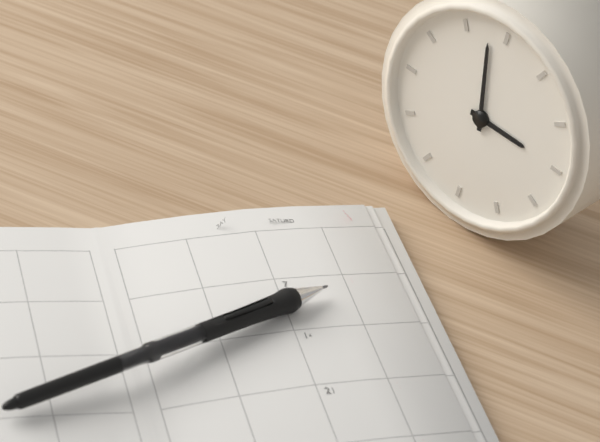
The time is 2:58
